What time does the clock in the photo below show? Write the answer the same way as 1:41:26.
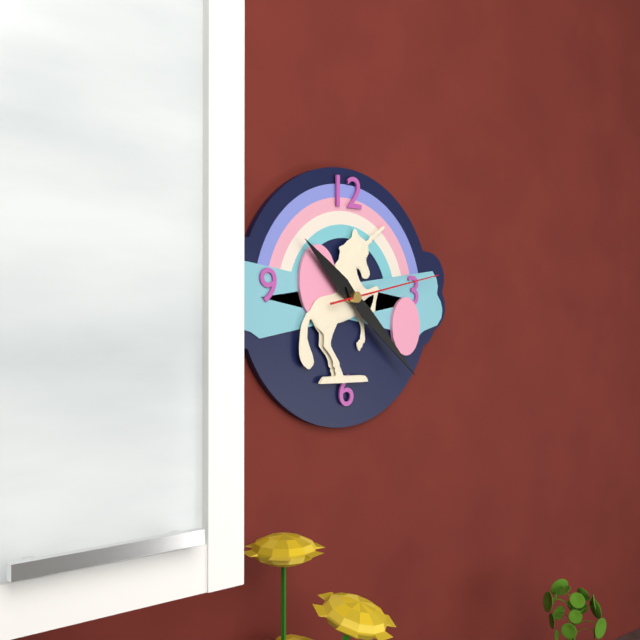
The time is 10:22:13
